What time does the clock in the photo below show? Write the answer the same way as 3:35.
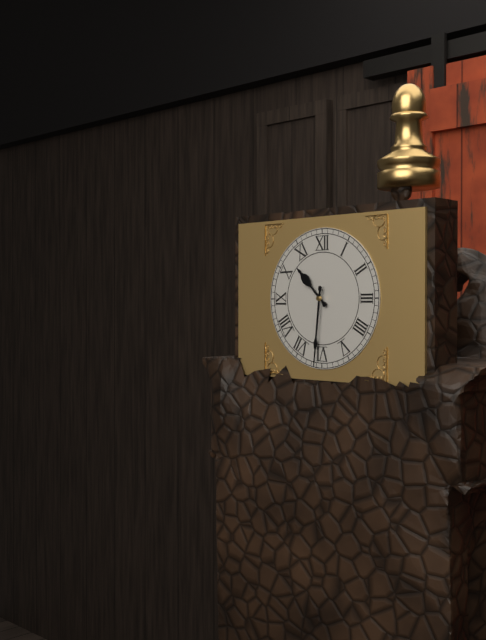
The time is 10:31
